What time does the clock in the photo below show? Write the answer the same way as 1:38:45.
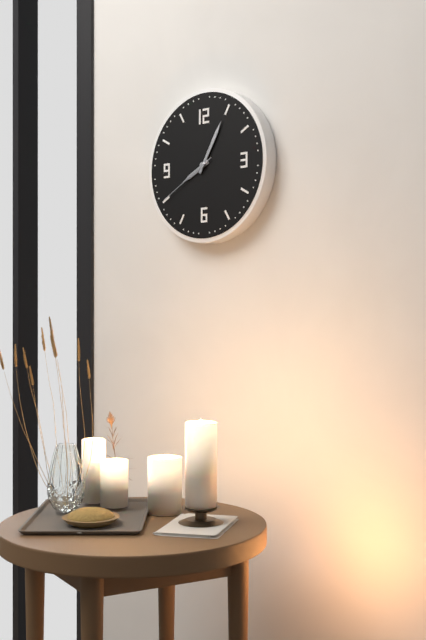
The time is 8:05:40
